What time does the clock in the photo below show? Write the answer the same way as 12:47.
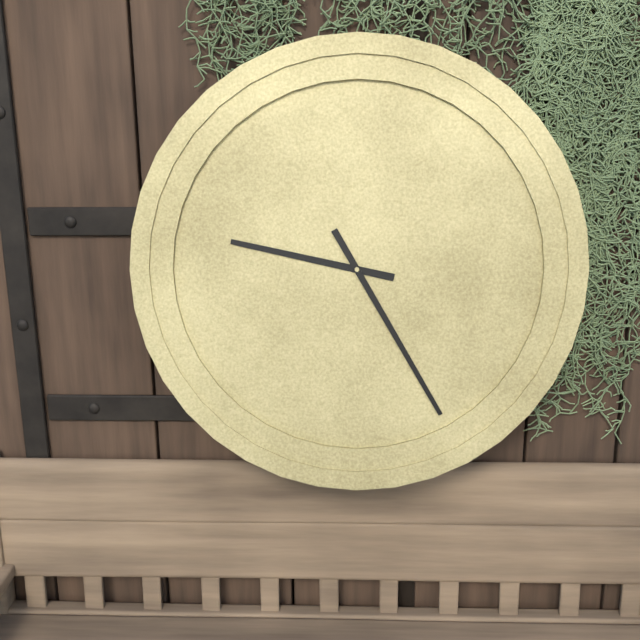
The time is 9:25
